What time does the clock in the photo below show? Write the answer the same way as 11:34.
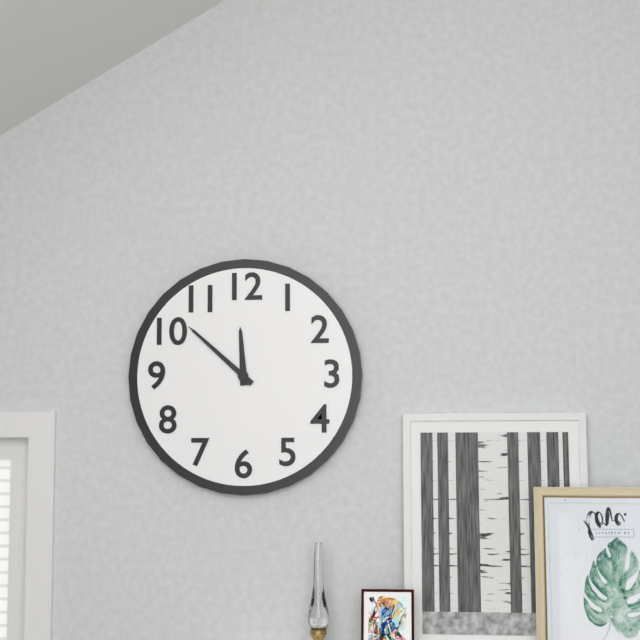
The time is 11:52
